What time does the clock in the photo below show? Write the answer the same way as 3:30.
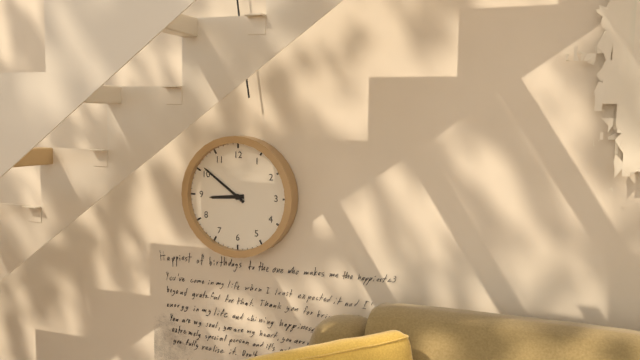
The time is 8:51
